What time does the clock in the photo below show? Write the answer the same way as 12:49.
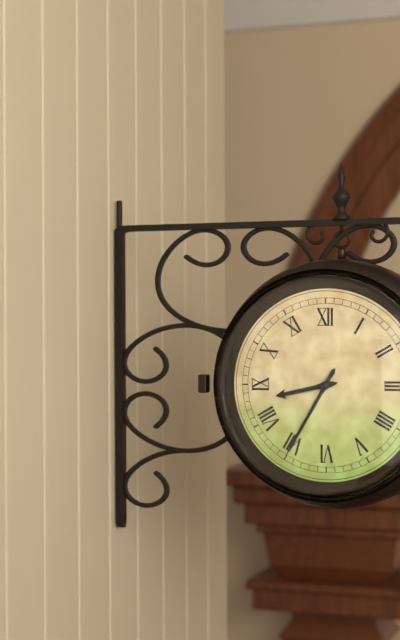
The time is 8:35
